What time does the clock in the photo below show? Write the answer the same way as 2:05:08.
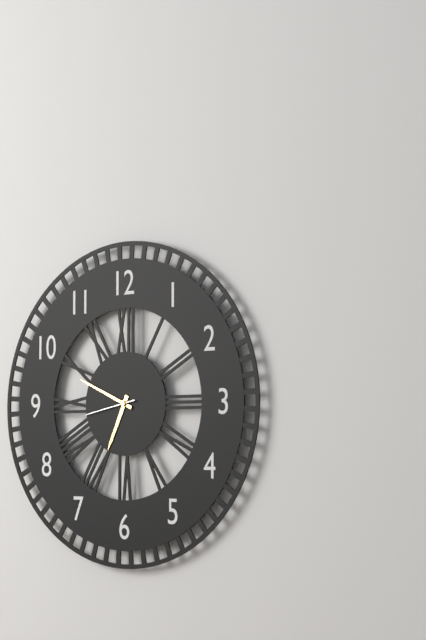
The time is 6:49:43
